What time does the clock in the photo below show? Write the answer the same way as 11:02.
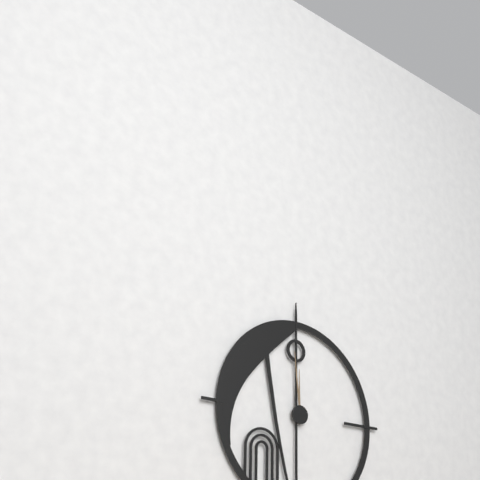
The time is 11:59
